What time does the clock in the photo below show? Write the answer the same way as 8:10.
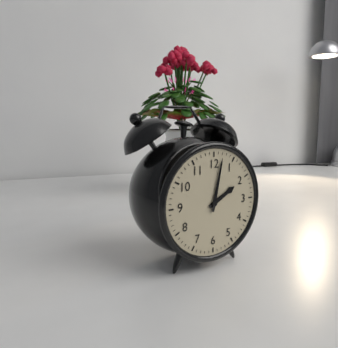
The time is 2:02
